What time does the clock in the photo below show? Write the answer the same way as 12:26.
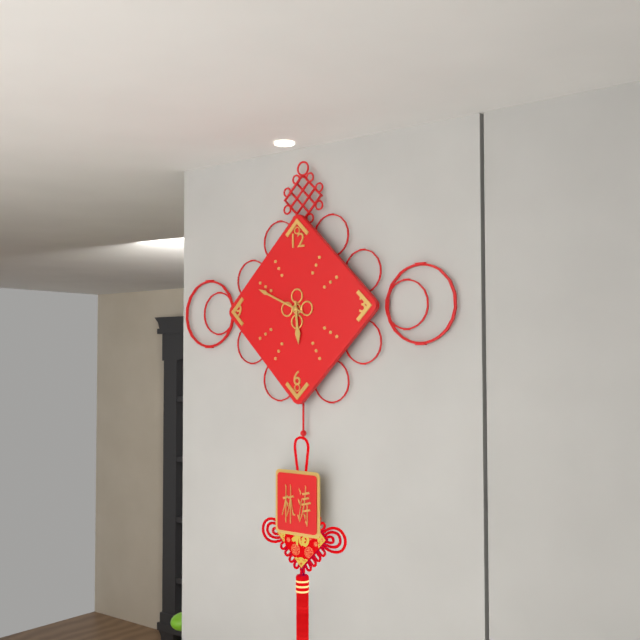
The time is 5:49
